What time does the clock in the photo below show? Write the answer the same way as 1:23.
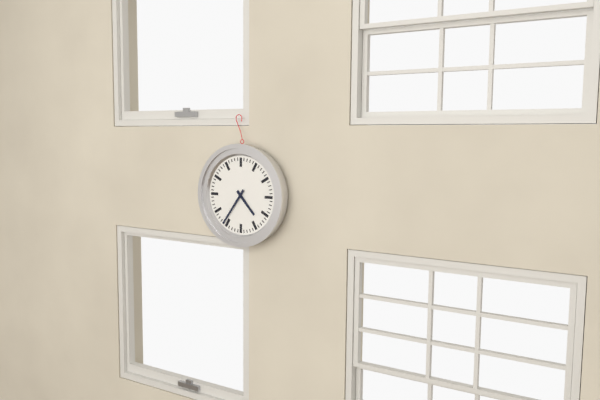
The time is 4:36
